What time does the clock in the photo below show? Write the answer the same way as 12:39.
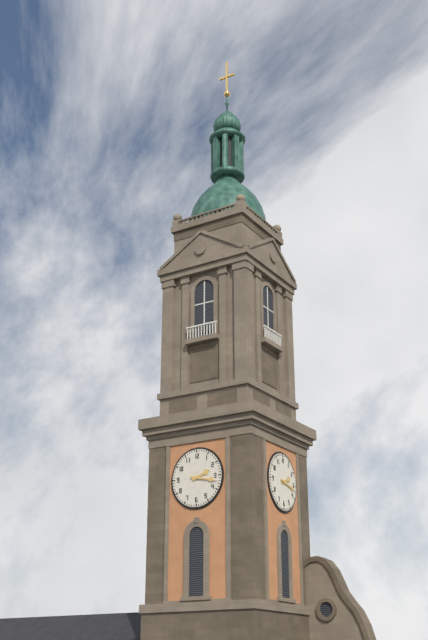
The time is 2:17
